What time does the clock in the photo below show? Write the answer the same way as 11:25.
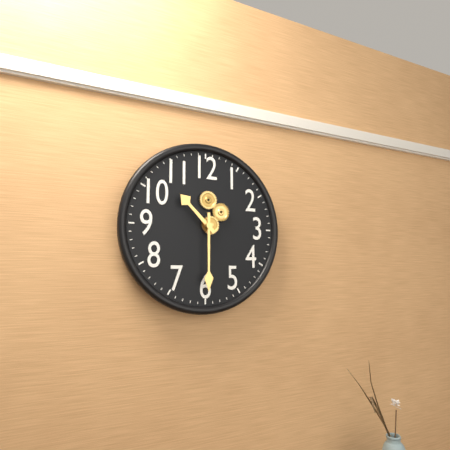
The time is 10:30
